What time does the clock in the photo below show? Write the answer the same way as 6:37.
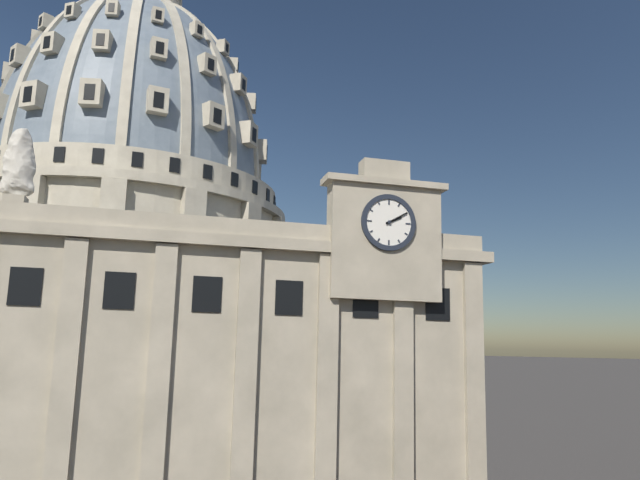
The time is 2:10
